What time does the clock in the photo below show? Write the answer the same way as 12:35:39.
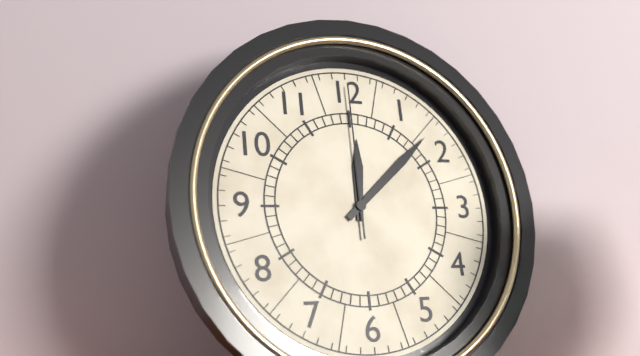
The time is 12:08:00
